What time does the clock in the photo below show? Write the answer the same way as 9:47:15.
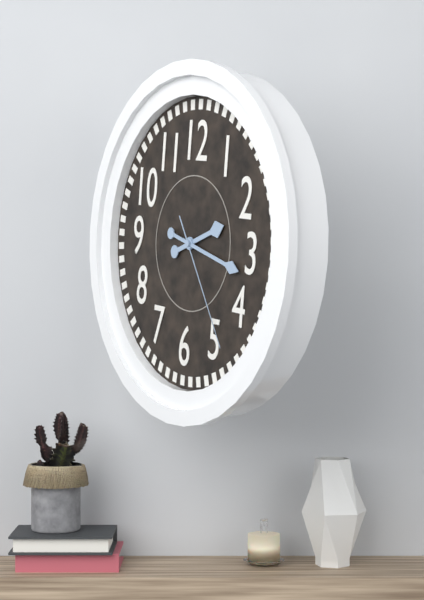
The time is 2:17:24
